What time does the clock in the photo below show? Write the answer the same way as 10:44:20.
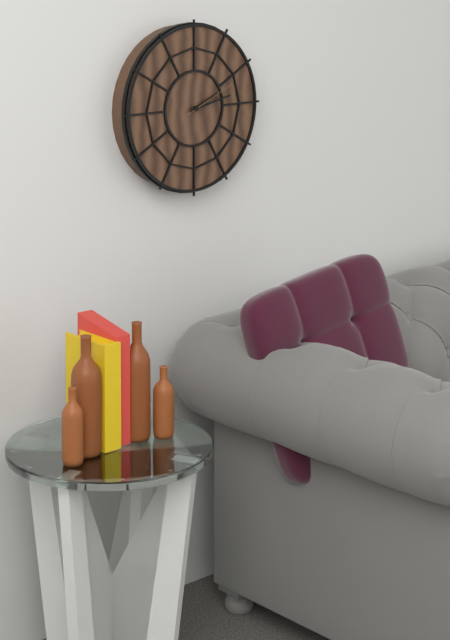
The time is 2:13:11
